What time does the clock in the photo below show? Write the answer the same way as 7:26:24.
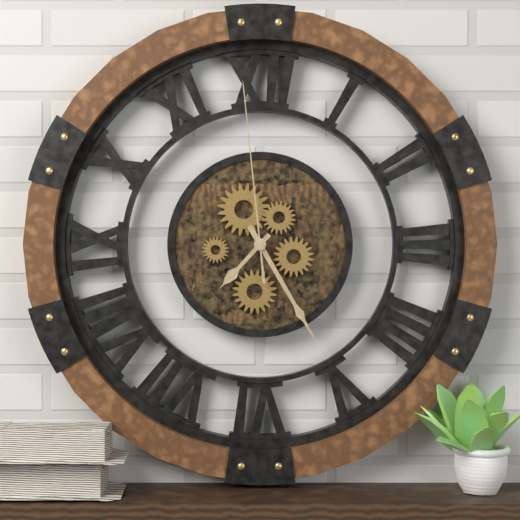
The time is 7:25:59
